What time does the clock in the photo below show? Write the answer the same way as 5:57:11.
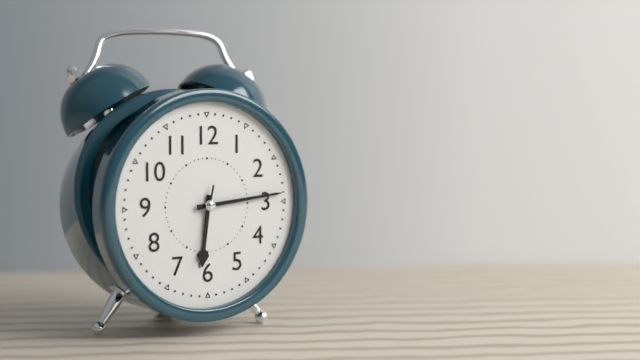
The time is 6:14:32
